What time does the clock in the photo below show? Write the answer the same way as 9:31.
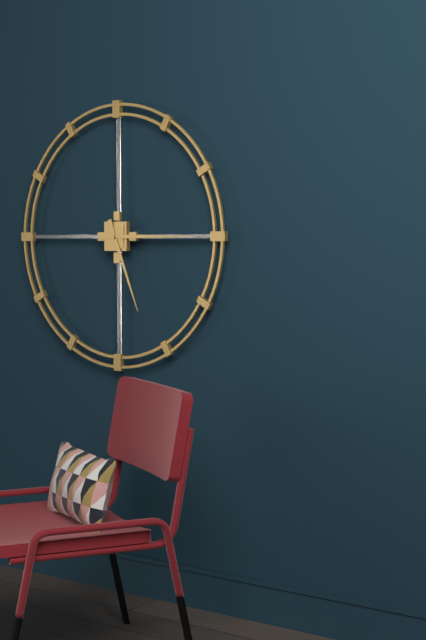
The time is 5:15
